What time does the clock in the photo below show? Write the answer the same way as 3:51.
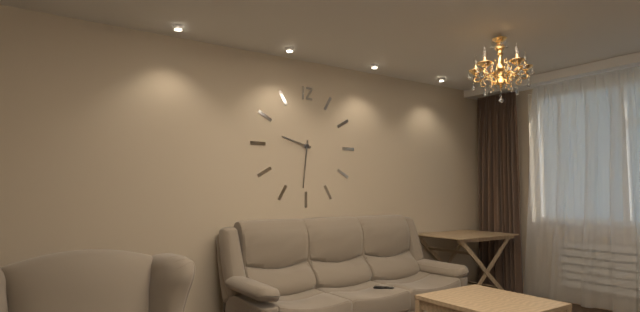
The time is 9:31
